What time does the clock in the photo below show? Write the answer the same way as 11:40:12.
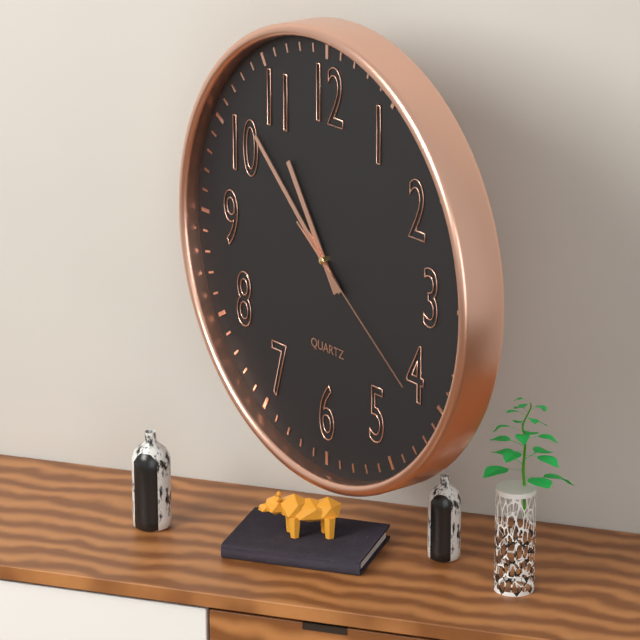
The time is 10:52:21
